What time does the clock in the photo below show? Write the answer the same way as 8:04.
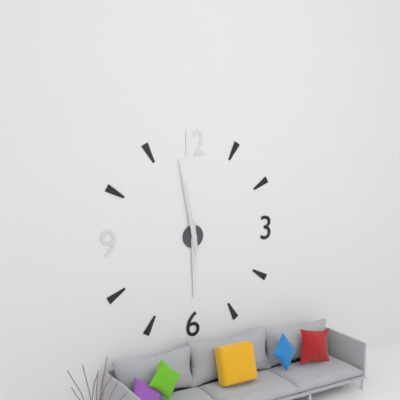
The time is 5:58
